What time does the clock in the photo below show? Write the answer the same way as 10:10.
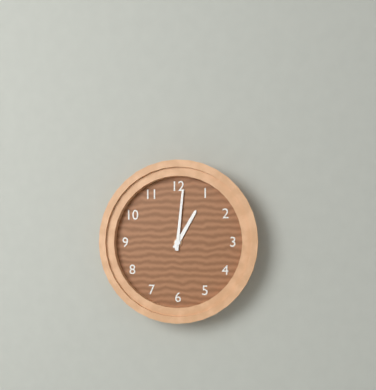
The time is 1:01
